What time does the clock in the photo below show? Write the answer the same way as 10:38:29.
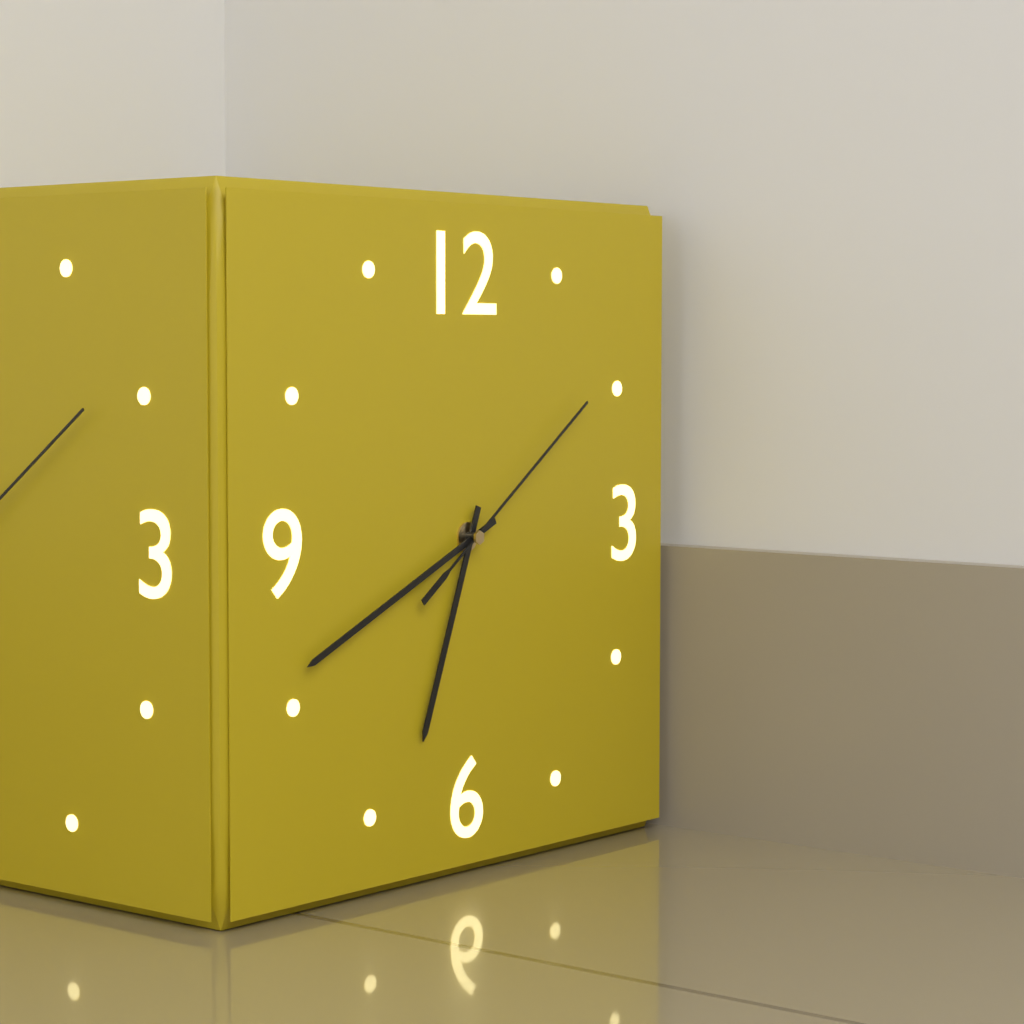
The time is 6:41:09
